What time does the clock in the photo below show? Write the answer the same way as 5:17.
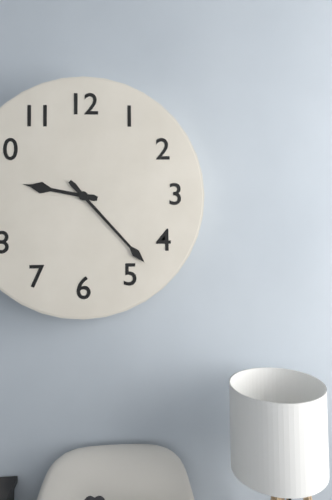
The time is 9:23
